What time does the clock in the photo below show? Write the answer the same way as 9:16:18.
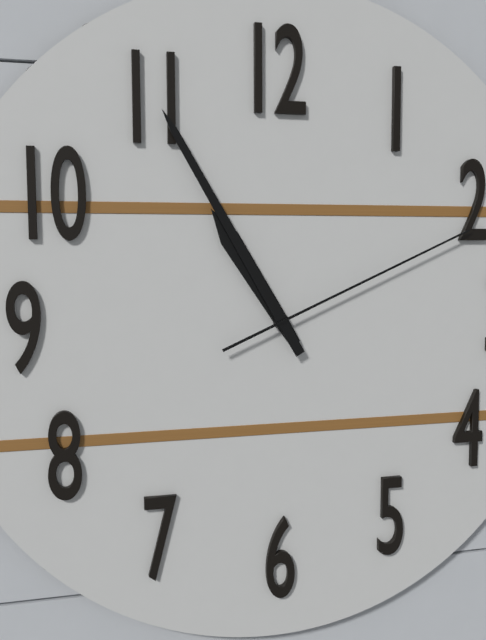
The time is 10:55:11
